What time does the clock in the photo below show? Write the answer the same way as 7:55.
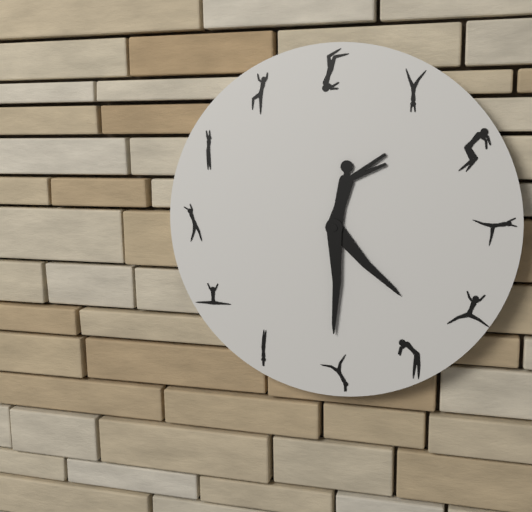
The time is 4:30
